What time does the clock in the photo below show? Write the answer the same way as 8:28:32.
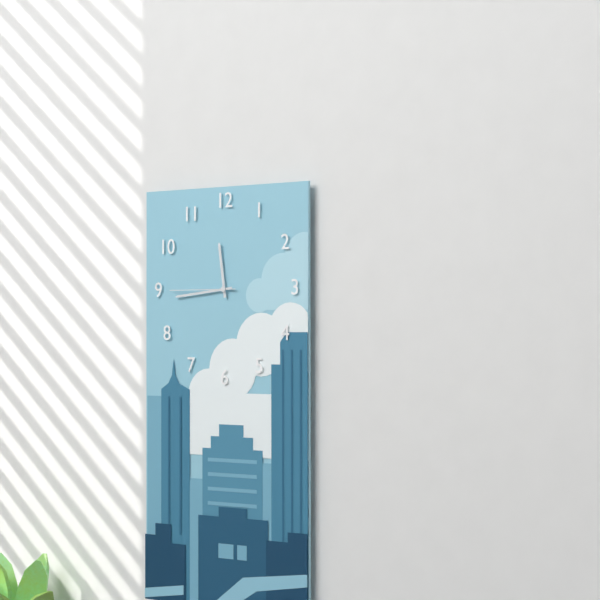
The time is 11:44:45
